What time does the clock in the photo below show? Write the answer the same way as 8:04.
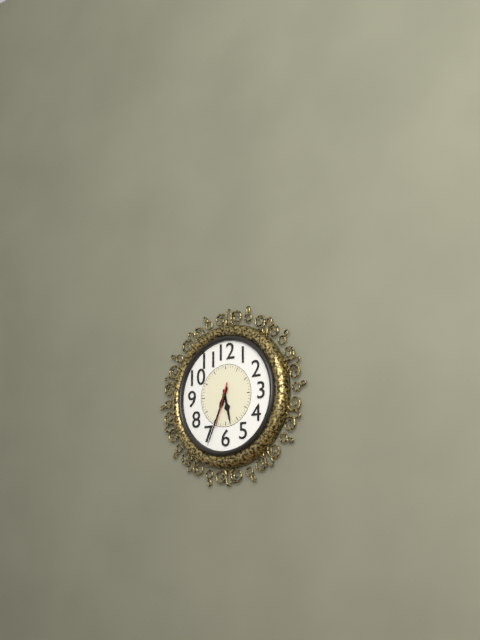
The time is 5:34
